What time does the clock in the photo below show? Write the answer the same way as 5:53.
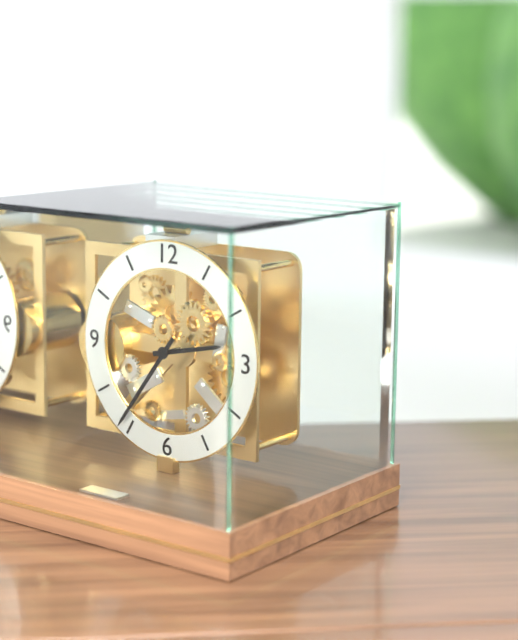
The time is 2:36
